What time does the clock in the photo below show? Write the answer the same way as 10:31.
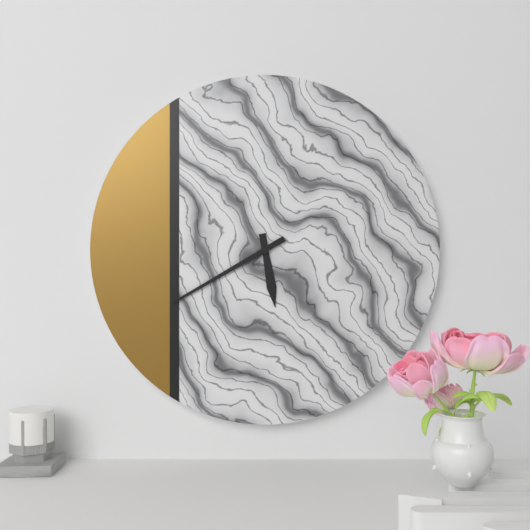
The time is 5:40
